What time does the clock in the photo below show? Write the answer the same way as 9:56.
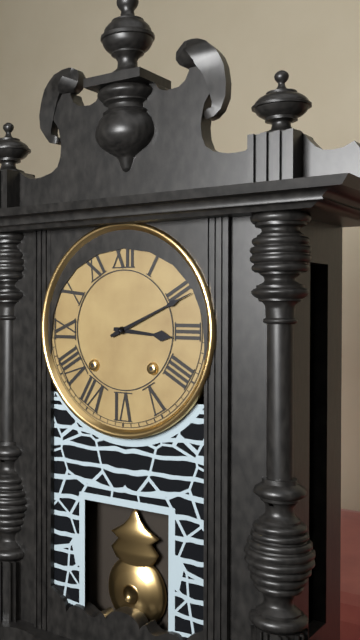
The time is 3:11
